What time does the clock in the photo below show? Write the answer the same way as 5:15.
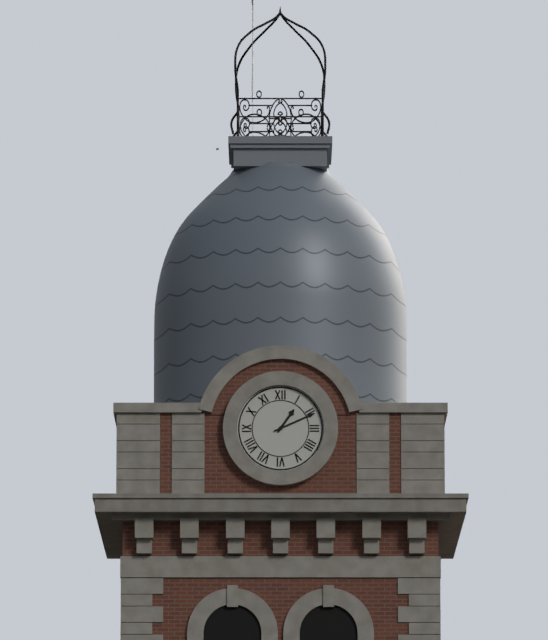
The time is 1:11
